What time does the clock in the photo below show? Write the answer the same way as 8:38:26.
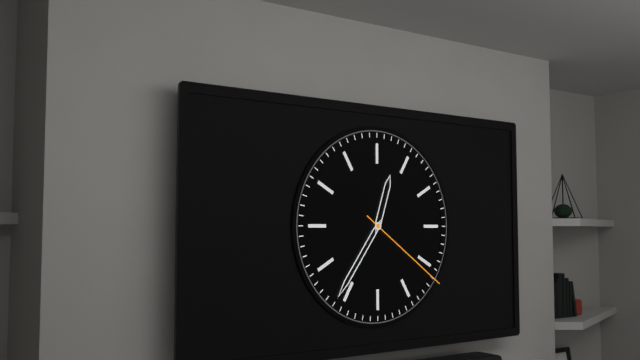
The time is 12:36:21
